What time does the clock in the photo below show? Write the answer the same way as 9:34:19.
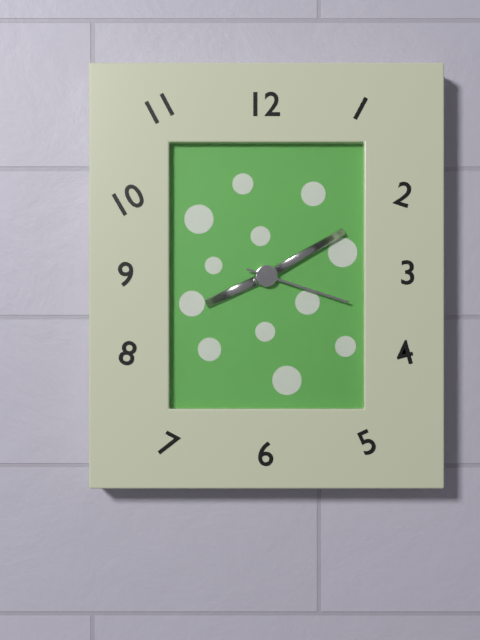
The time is 8:10:18
